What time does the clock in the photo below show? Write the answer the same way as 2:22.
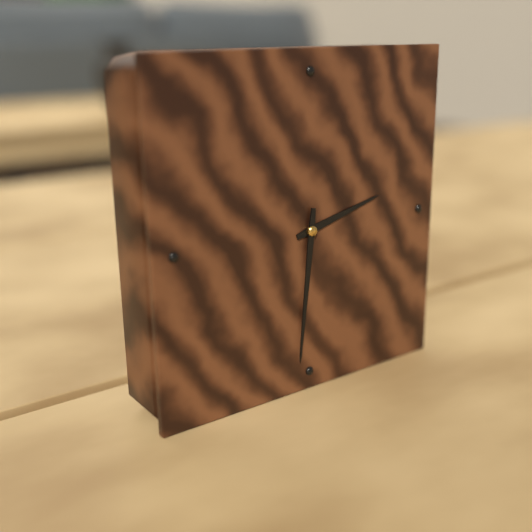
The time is 2:31
